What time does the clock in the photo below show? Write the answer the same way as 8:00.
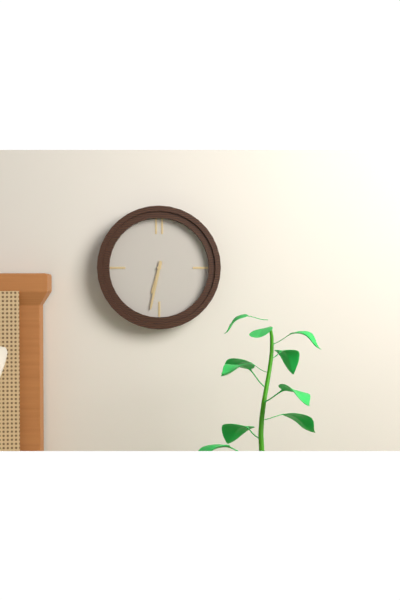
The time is 6:32
